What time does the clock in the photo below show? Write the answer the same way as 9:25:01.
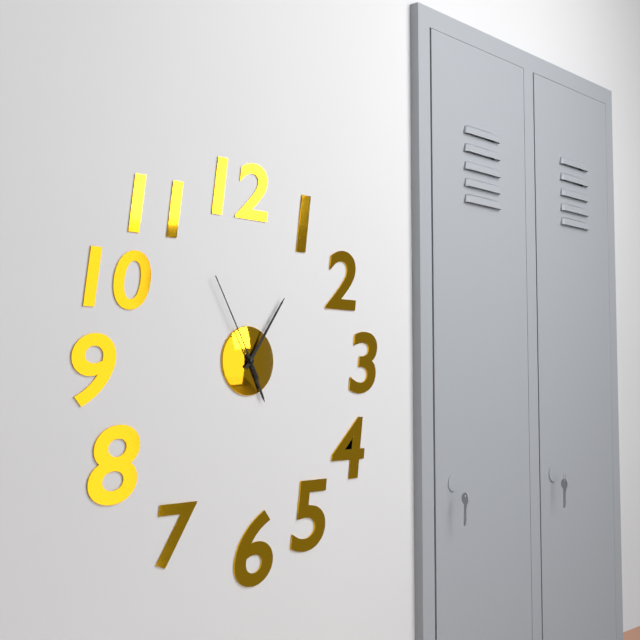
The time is 5:06:55
